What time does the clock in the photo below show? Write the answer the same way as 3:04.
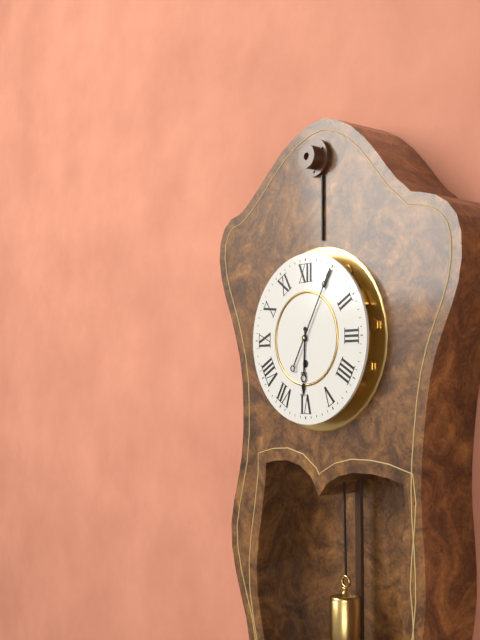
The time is 6:05
